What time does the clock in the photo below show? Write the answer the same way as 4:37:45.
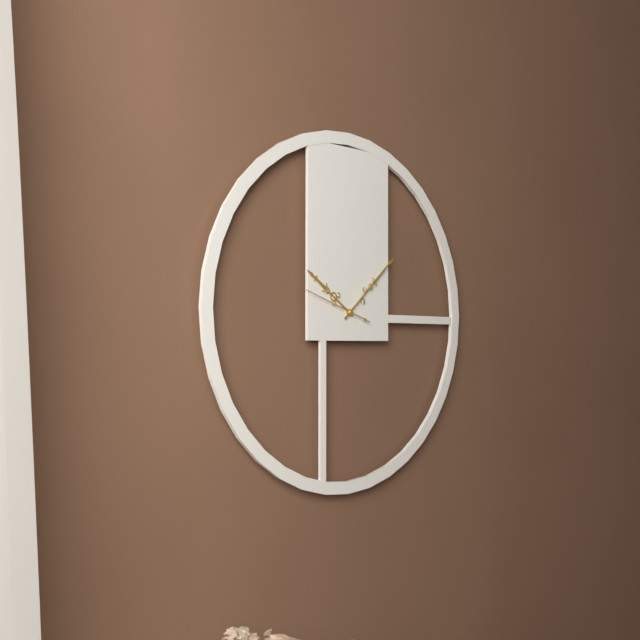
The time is 10:08:48
